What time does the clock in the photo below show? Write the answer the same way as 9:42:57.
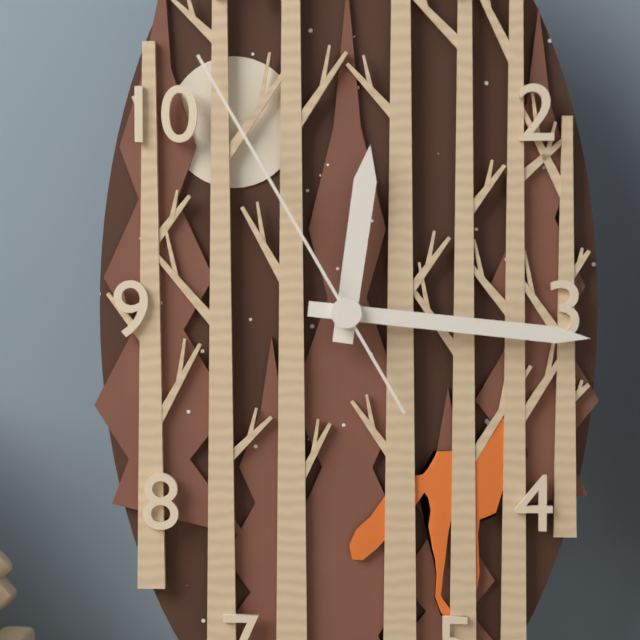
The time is 12:16:55
